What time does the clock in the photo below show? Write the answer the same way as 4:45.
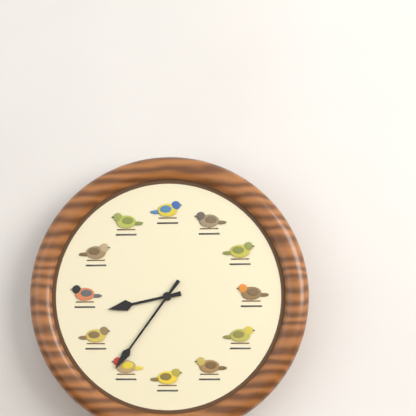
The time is 8:36
